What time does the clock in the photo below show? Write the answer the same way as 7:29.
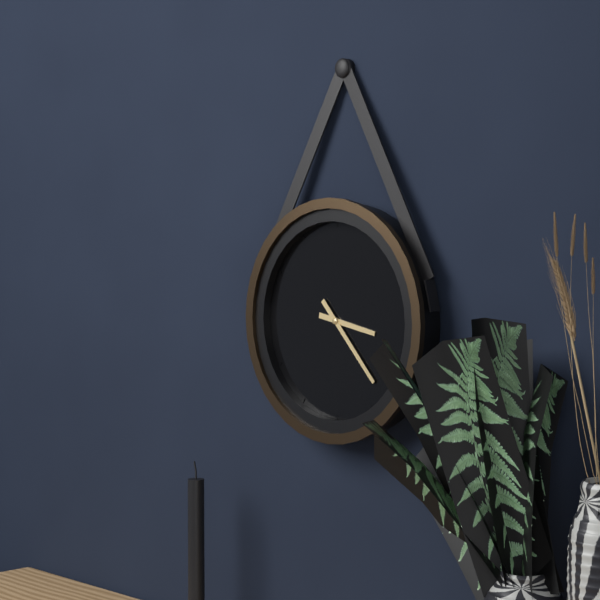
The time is 3:23
